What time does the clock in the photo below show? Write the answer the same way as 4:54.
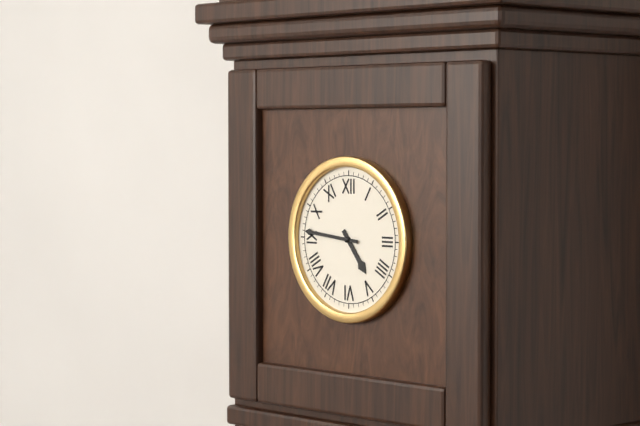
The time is 4:46
